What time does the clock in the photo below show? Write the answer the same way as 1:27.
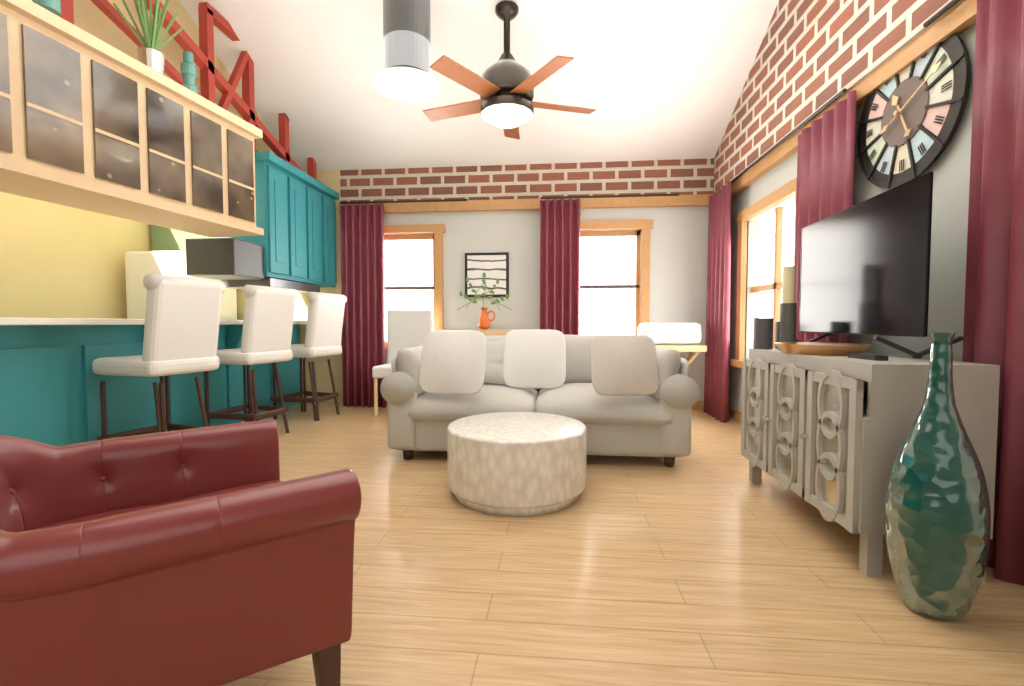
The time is 5:11
